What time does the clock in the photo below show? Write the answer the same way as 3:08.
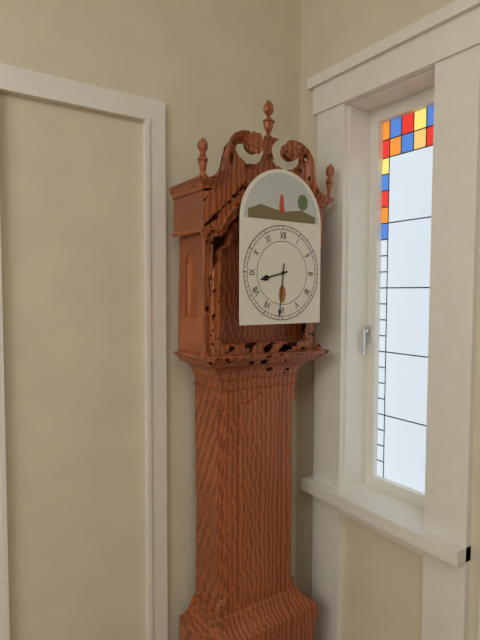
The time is 8:31
